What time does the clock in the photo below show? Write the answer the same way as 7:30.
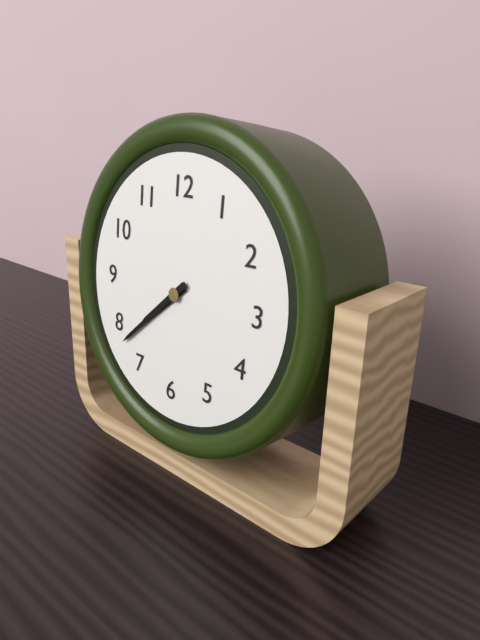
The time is 7:38
